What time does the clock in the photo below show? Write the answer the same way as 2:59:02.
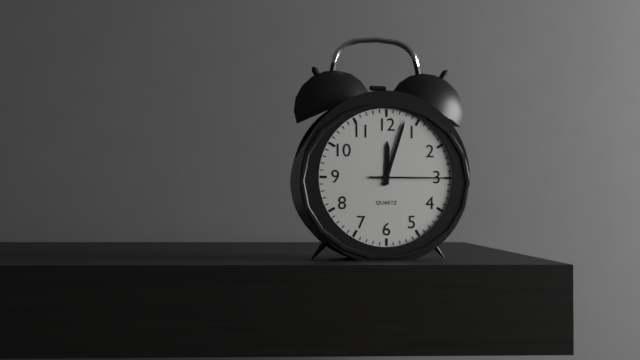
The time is 12:03:15
